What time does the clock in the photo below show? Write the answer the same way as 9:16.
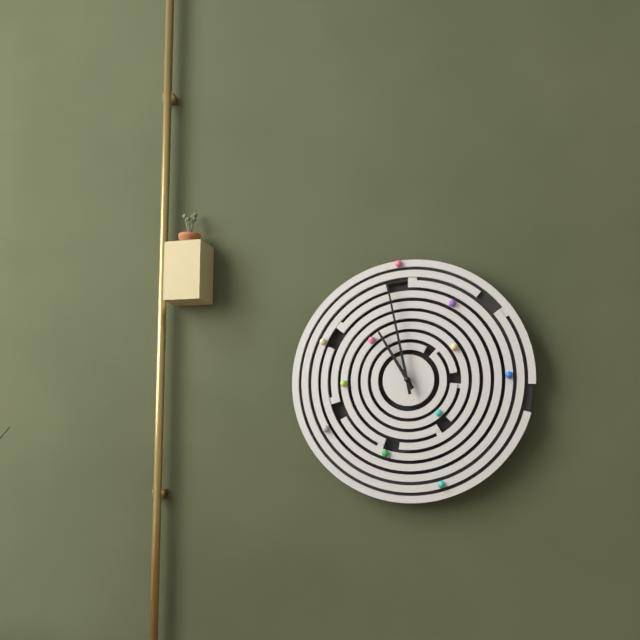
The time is 10:58
